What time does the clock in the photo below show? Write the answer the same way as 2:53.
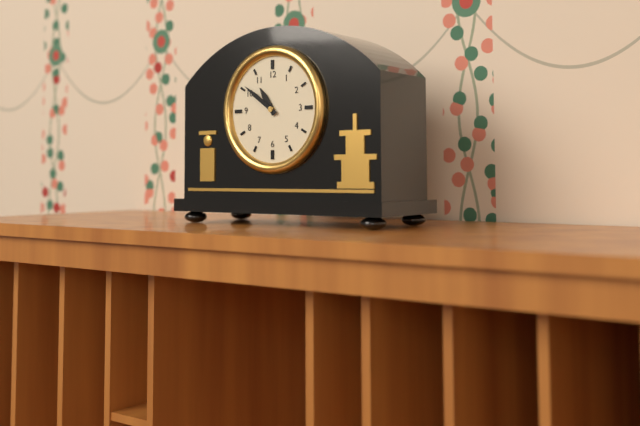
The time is 10:51
